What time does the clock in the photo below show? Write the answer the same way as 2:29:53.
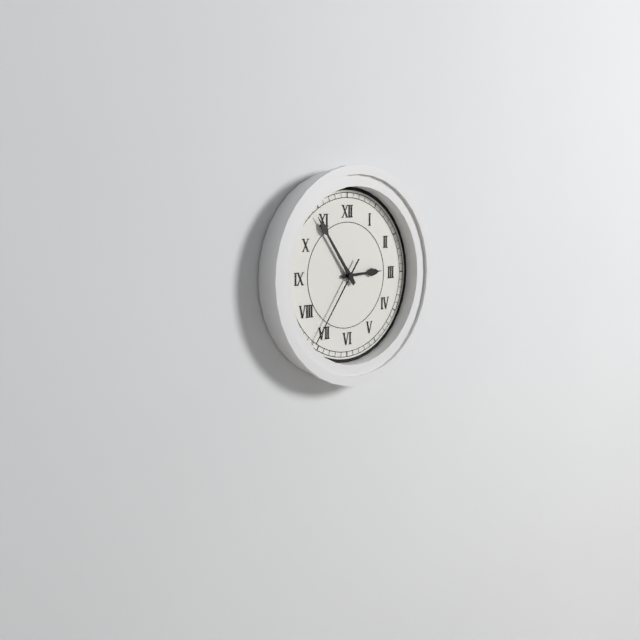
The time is 2:54:36
